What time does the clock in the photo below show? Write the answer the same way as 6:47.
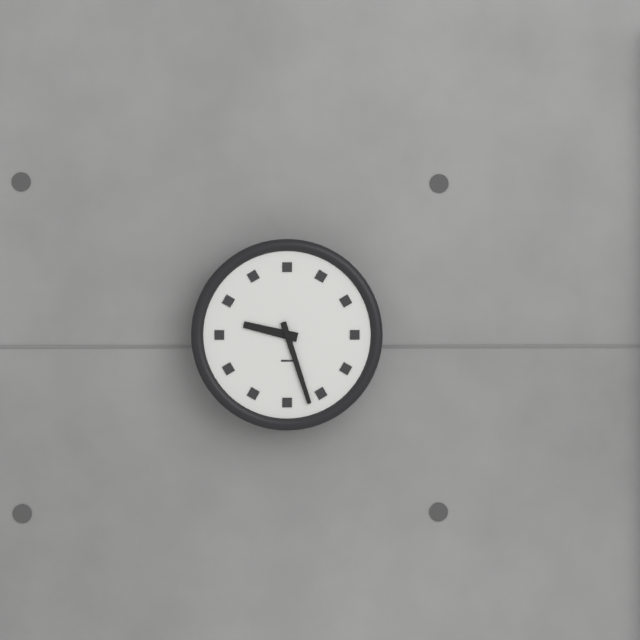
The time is 9:27
